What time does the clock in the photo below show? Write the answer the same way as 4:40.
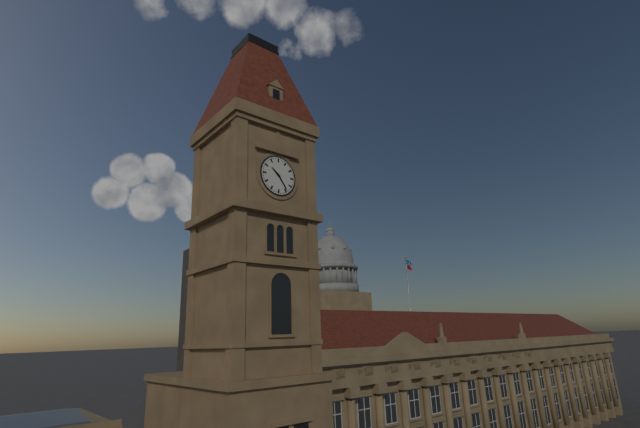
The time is 10:24
